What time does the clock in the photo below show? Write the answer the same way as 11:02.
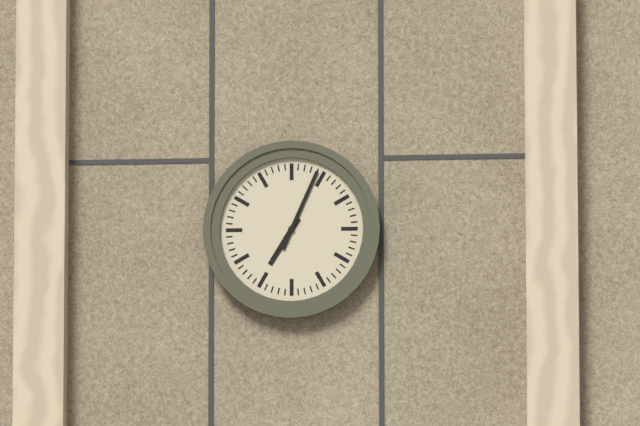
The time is 7:04
